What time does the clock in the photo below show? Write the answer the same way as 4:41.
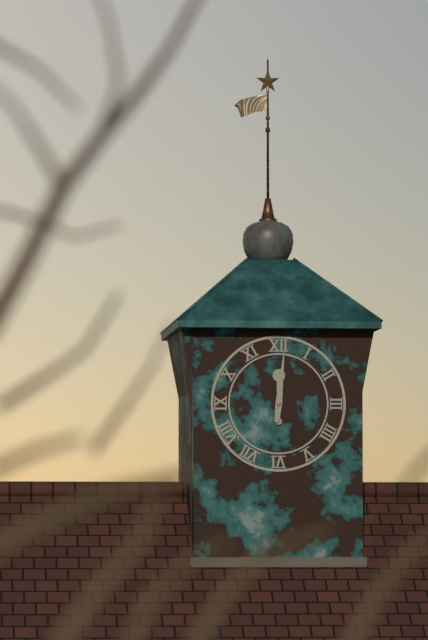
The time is 12:01
